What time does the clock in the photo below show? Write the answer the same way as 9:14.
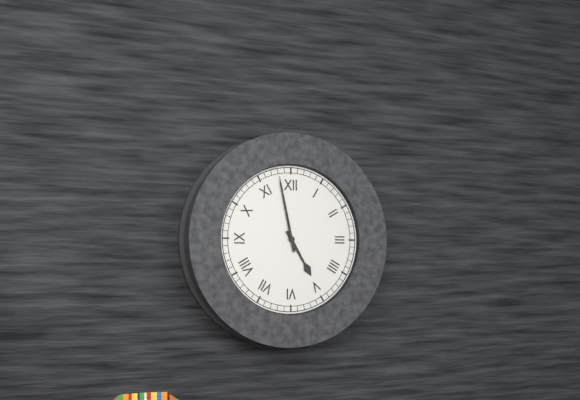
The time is 4:58
